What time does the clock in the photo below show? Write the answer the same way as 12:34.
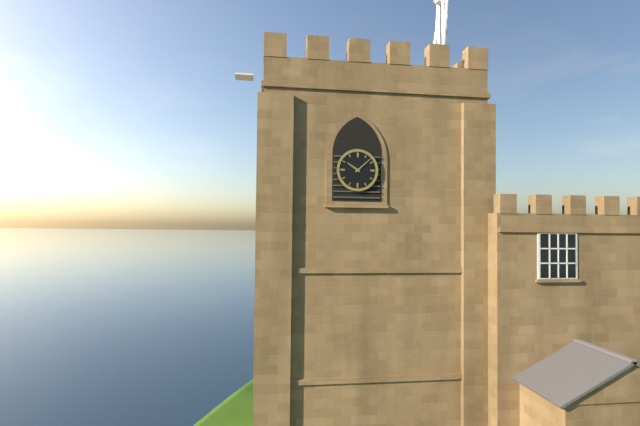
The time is 10:08
